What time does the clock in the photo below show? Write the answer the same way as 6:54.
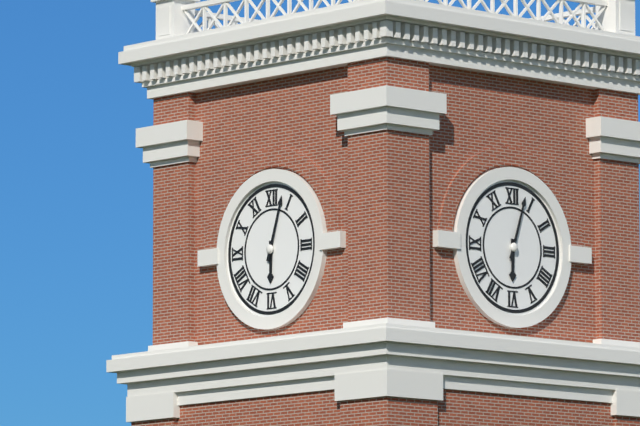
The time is 6:03
